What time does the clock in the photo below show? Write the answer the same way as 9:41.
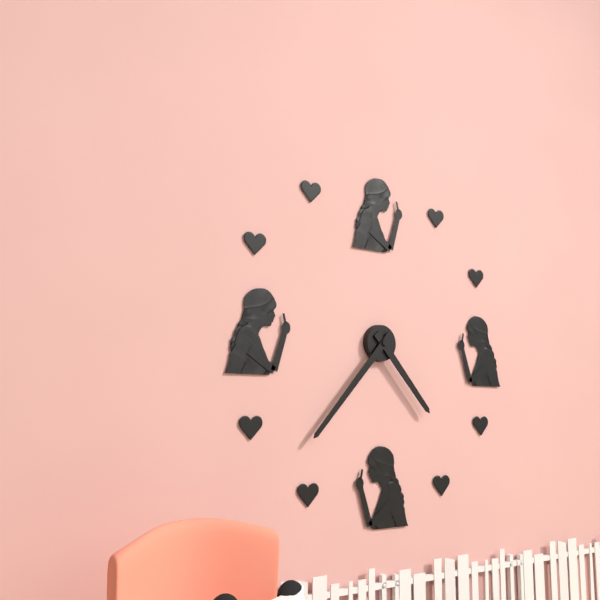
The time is 4:37
